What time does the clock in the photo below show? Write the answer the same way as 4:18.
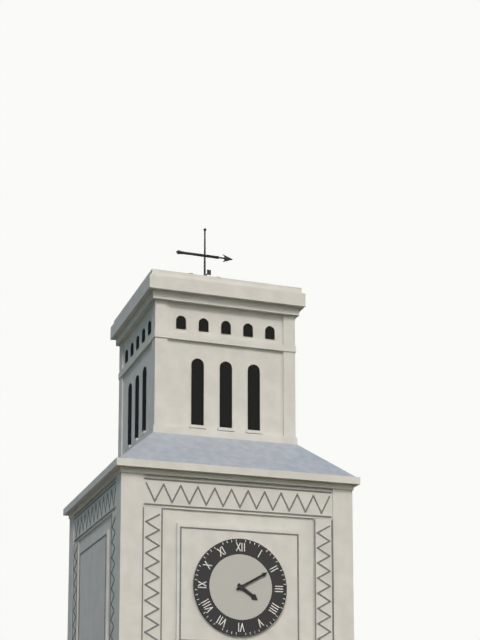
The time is 4:10
